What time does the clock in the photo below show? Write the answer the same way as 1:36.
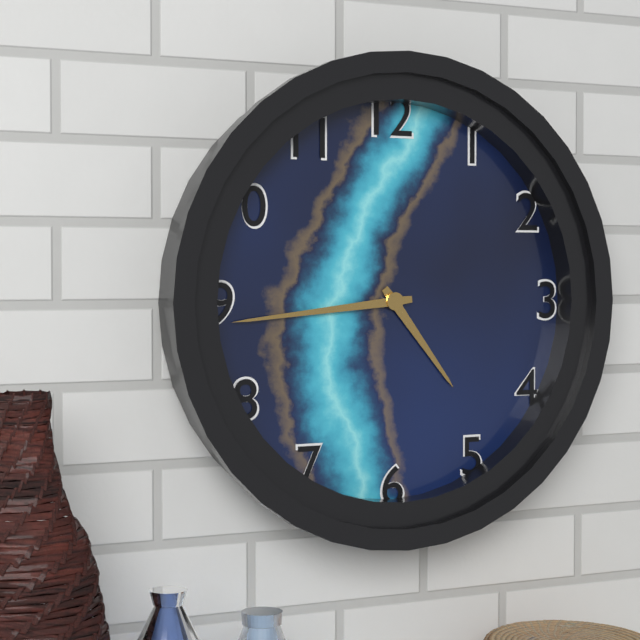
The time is 4:44
